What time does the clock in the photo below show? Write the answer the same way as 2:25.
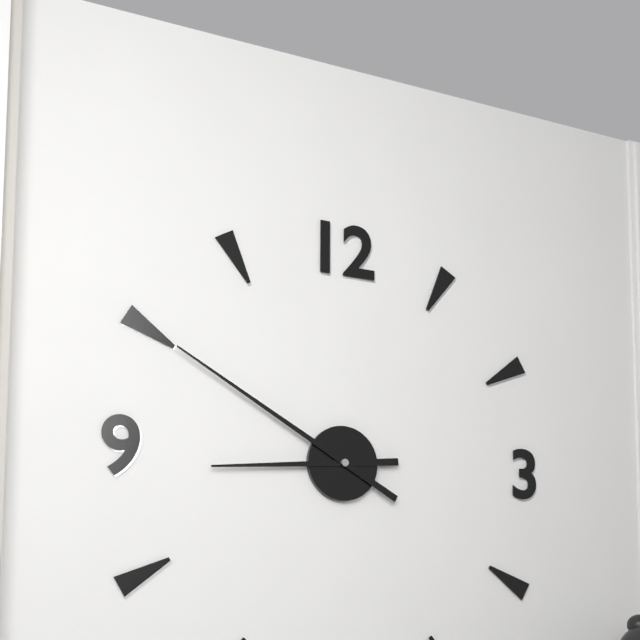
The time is 8:50
